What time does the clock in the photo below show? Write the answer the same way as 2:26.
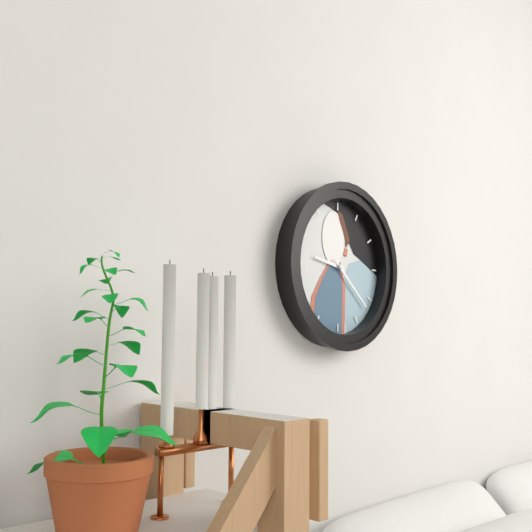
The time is 9:22
